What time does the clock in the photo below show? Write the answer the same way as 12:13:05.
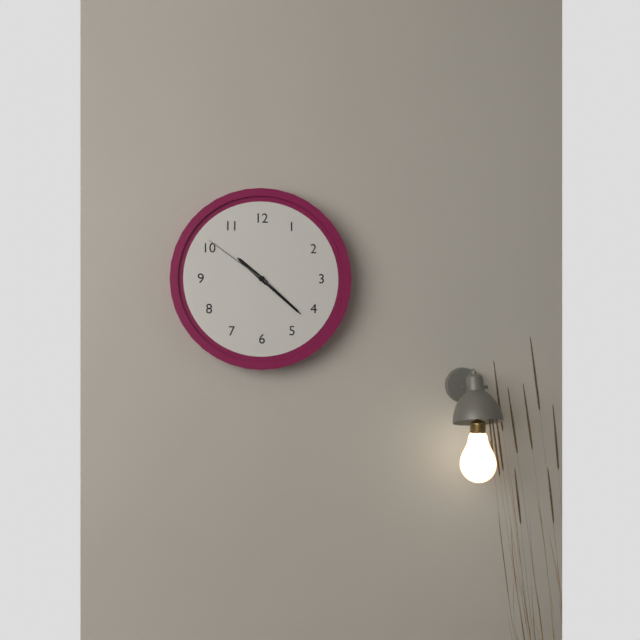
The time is 10:22:51
